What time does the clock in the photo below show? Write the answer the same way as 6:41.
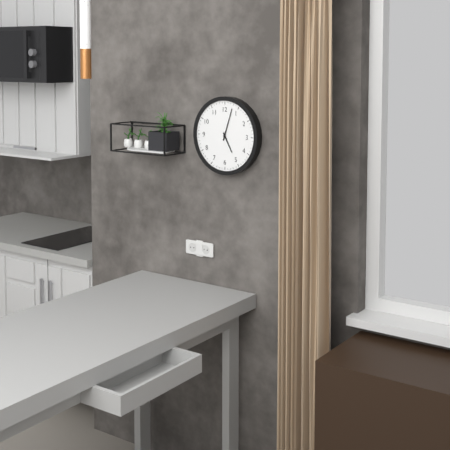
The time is 5:03
